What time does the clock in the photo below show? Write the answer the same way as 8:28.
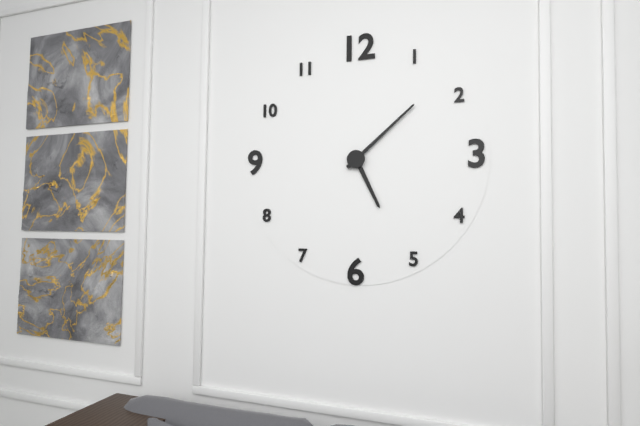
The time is 5:08
